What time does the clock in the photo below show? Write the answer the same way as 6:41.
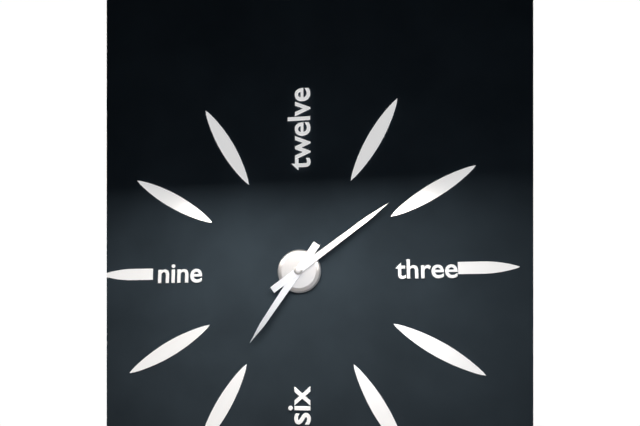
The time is 7:09
